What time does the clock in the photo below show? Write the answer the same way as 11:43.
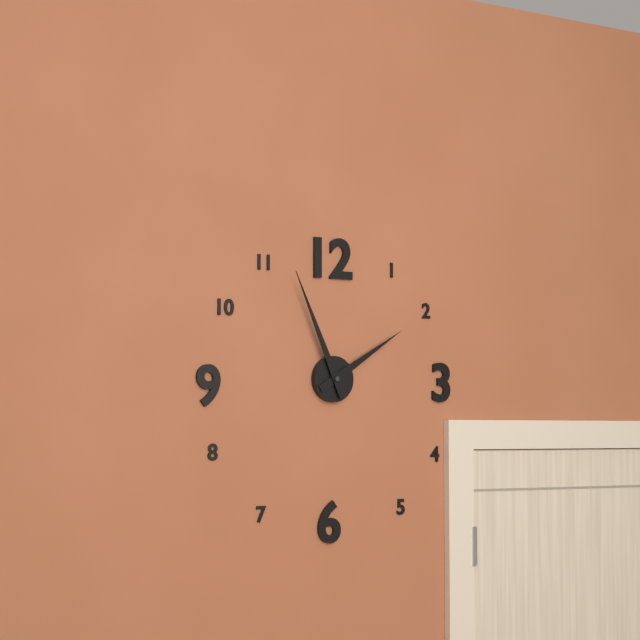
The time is 1:56
